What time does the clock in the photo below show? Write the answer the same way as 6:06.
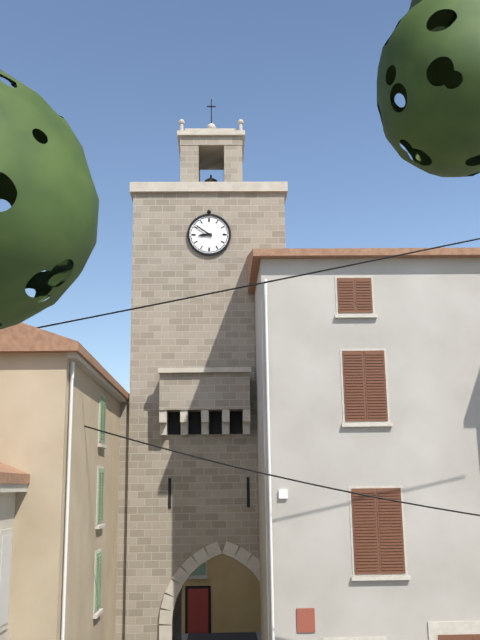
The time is 8:51
